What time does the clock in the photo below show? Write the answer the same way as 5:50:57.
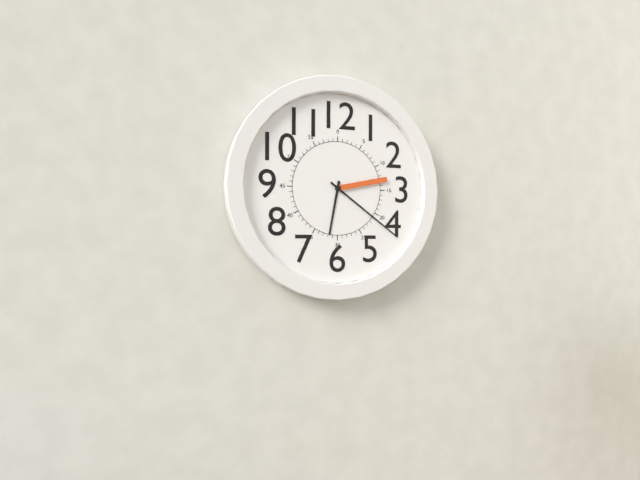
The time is 6:21:13
